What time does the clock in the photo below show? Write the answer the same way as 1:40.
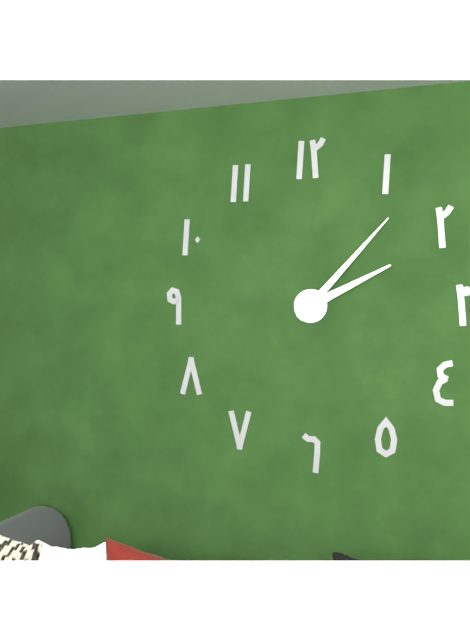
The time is 2:07
